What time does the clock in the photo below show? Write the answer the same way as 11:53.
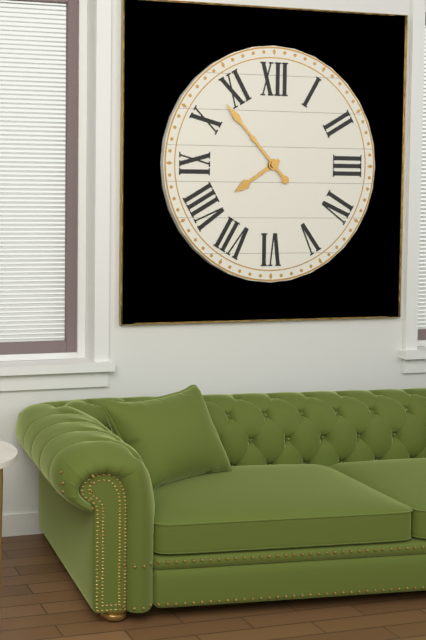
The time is 7:53
